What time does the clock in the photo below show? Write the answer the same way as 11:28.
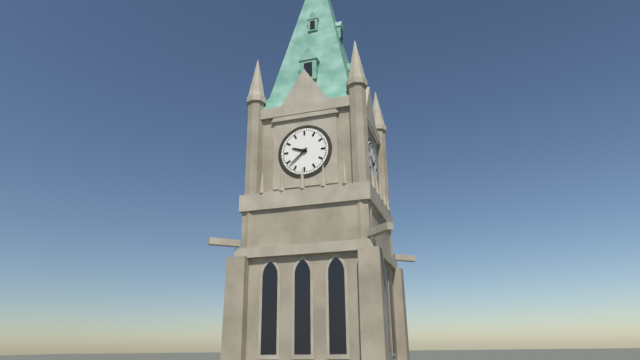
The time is 9:38
